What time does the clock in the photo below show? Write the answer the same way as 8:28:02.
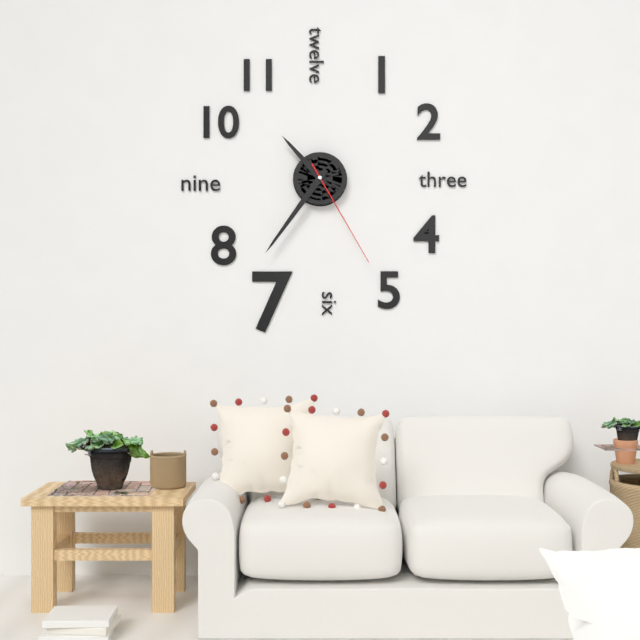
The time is 10:36:25
